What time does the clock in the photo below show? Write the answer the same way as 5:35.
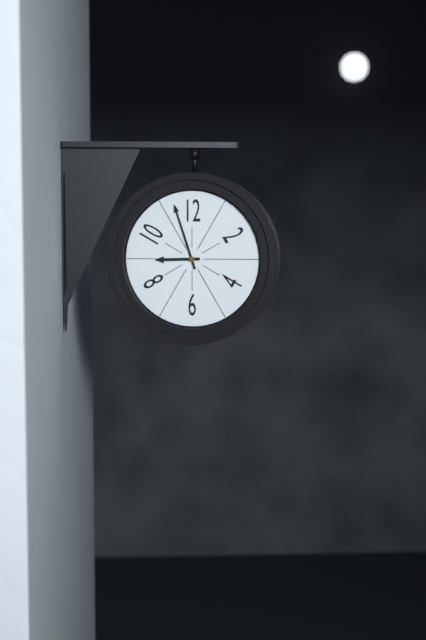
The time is 8:57
